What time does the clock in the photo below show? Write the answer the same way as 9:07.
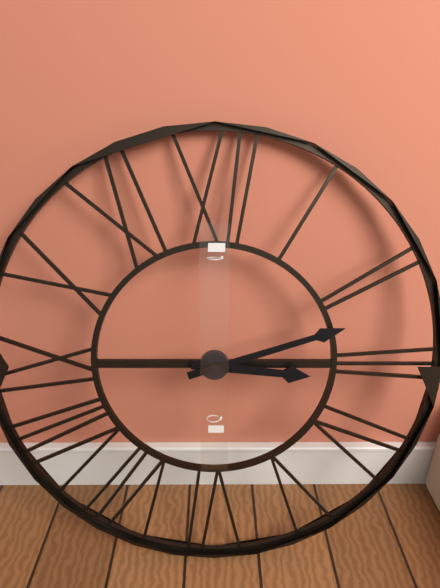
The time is 3:12
